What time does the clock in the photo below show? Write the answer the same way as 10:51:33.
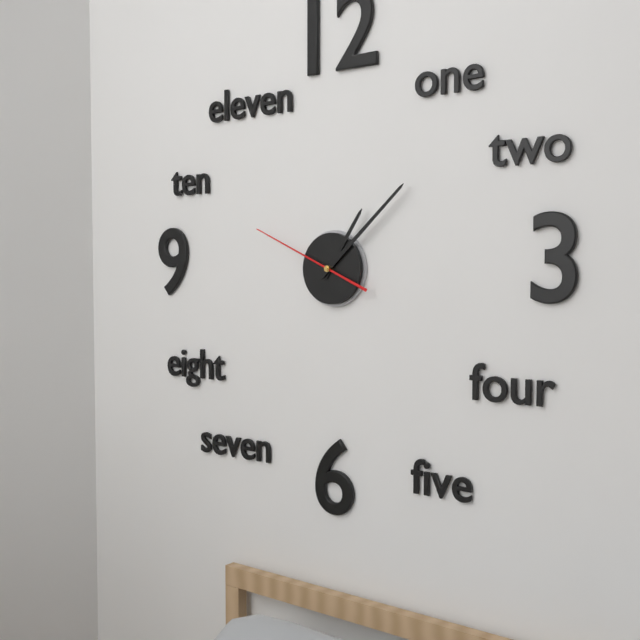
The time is 1:08:49
